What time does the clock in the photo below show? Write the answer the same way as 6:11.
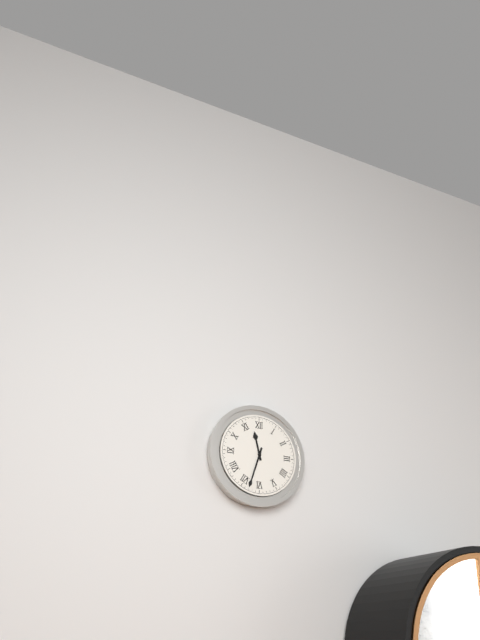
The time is 11:33
